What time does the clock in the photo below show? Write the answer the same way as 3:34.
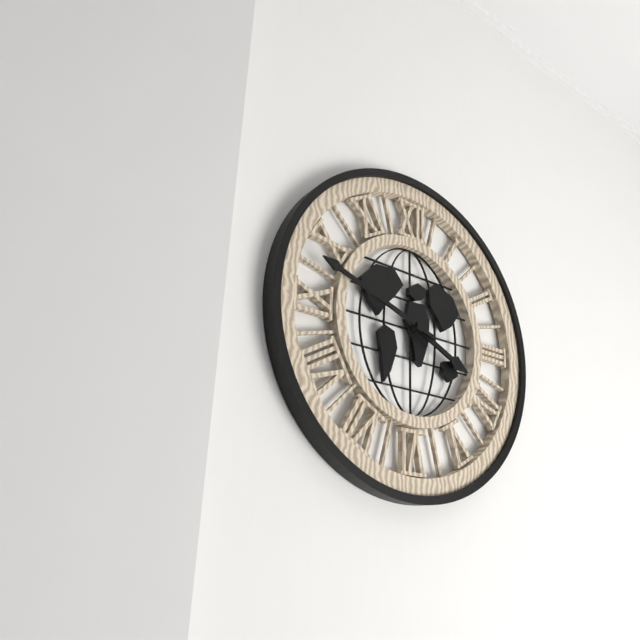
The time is 3:48
